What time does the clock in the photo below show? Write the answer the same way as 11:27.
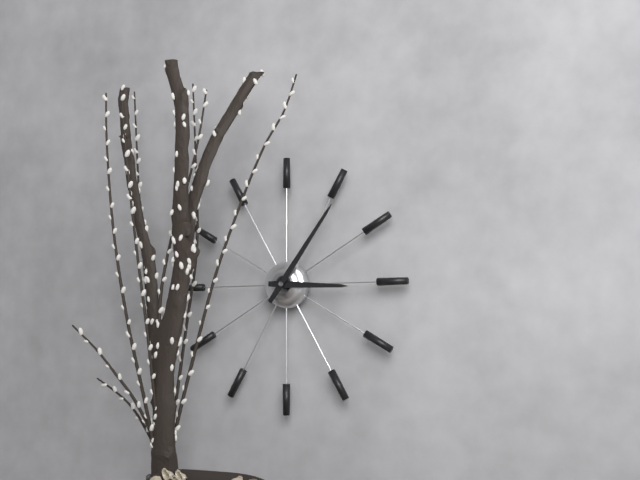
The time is 3:06
